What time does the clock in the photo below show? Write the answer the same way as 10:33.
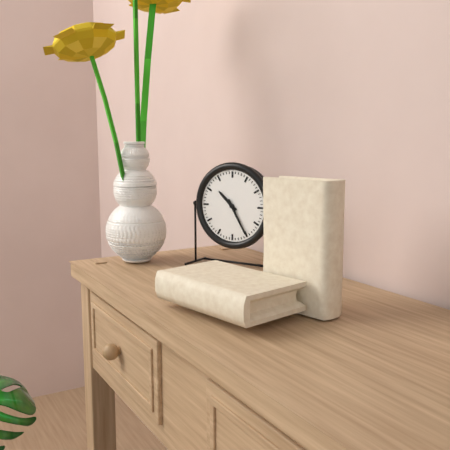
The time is 10:25
